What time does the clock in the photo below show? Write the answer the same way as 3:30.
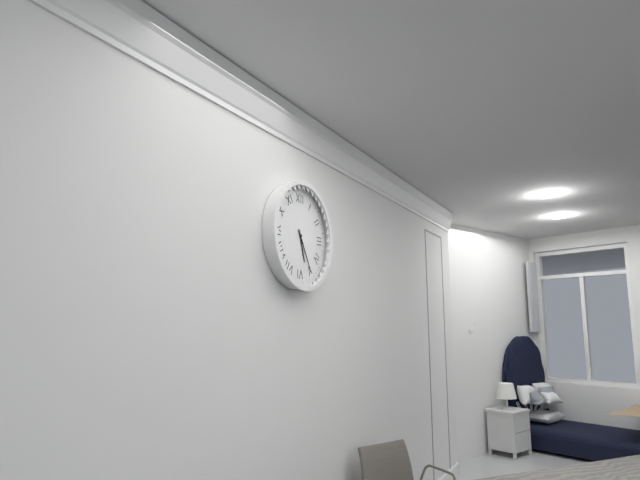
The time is 5:25
